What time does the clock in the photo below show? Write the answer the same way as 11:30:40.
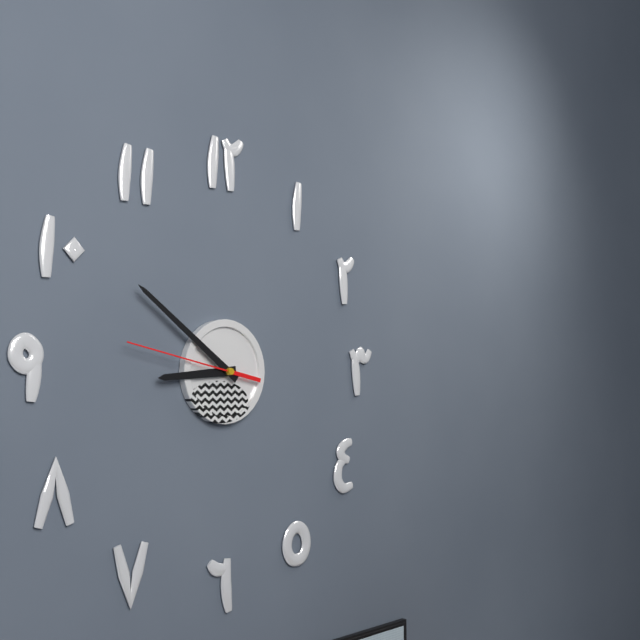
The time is 8:51:47
